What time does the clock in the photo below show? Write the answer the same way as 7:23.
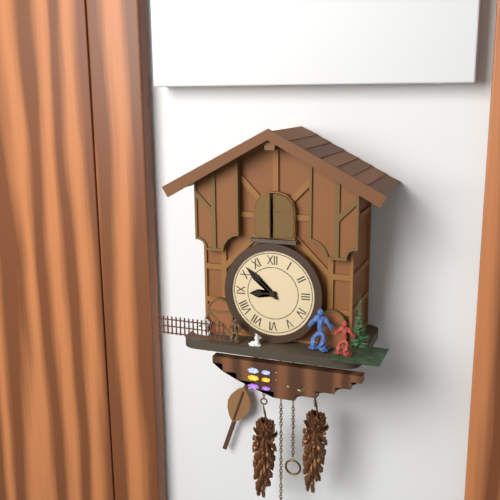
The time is 8:52
